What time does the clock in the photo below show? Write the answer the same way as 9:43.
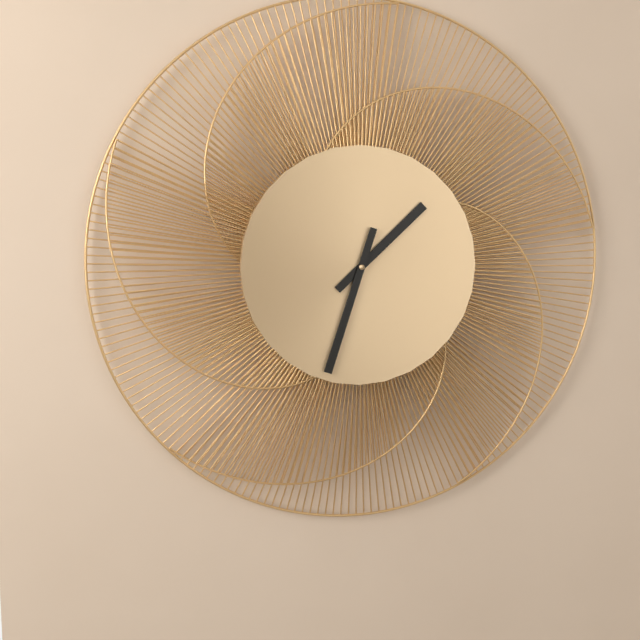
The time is 1:33
